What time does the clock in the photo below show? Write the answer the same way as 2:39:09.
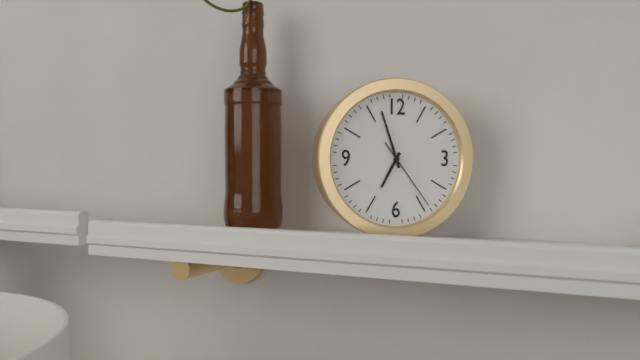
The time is 6:57:24
